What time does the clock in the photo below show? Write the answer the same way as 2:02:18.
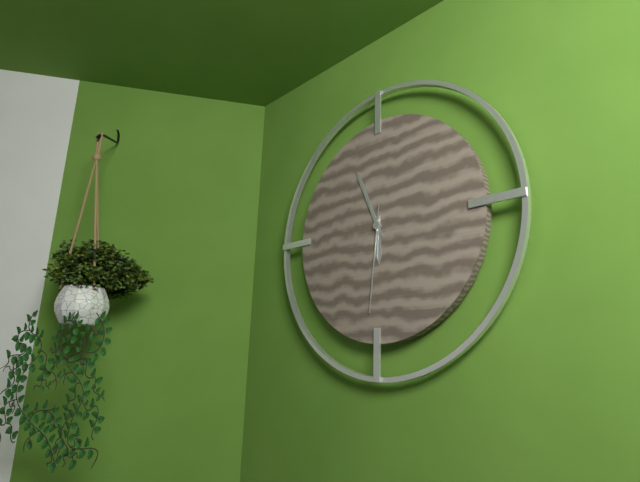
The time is 5:56:31
